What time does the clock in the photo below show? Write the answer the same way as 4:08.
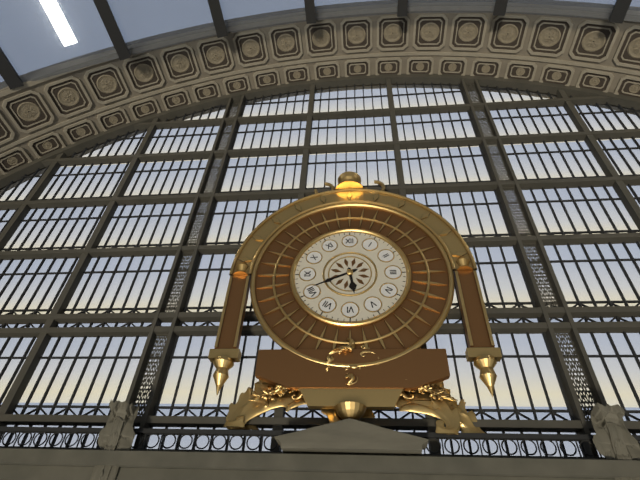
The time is 5:41
